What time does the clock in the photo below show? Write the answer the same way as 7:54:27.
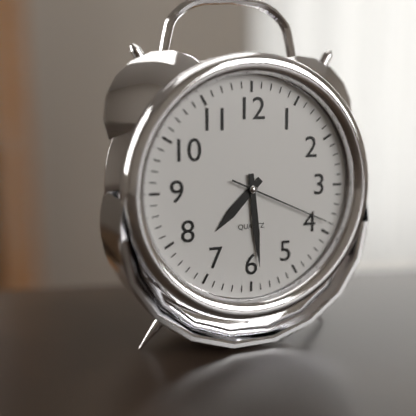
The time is 7:29:19
